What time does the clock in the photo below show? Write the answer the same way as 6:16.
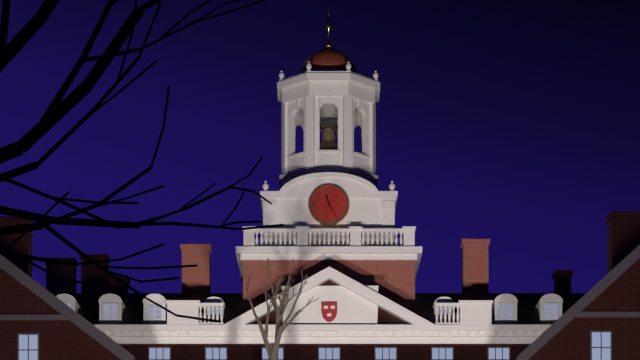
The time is 11:25
